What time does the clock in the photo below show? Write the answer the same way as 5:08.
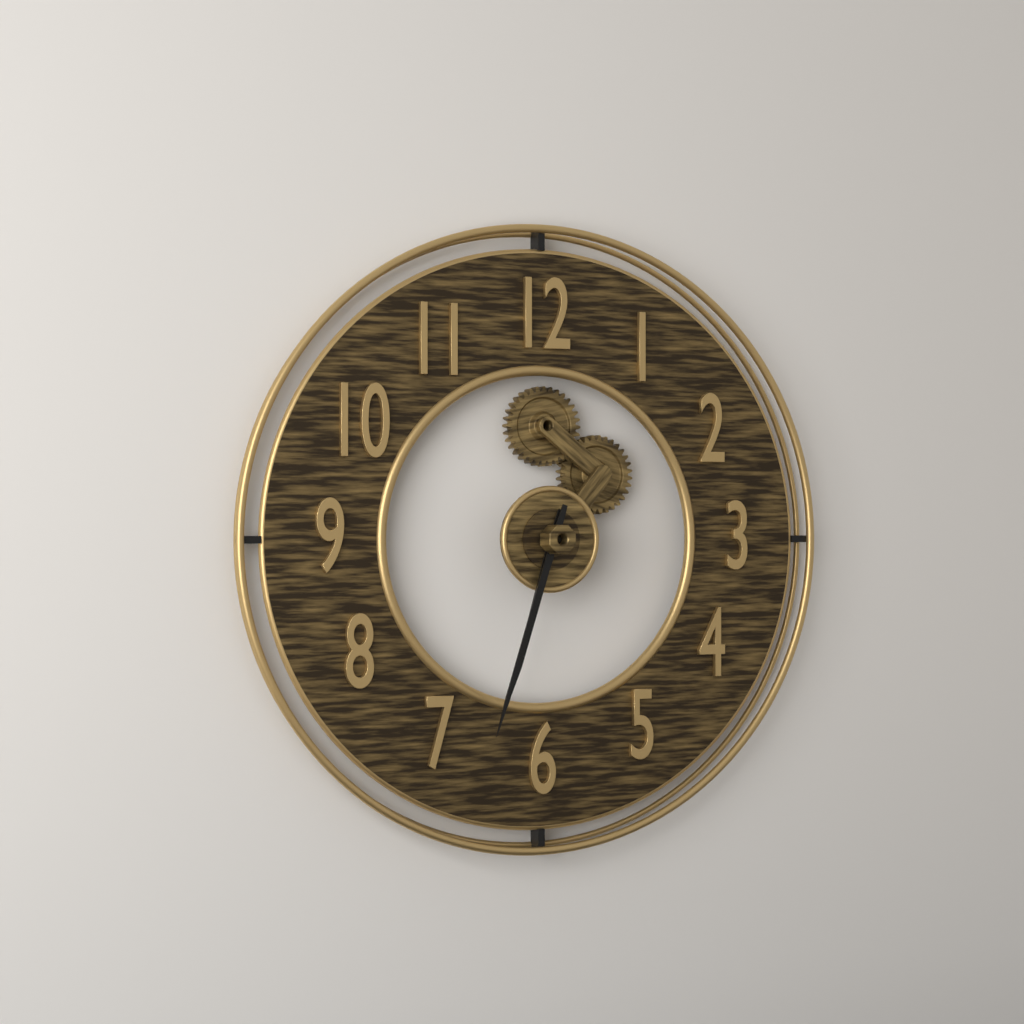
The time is 6:33
